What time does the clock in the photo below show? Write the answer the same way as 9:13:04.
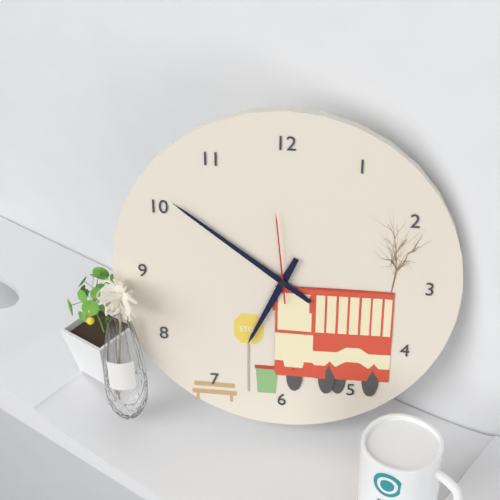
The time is 6:51:59
